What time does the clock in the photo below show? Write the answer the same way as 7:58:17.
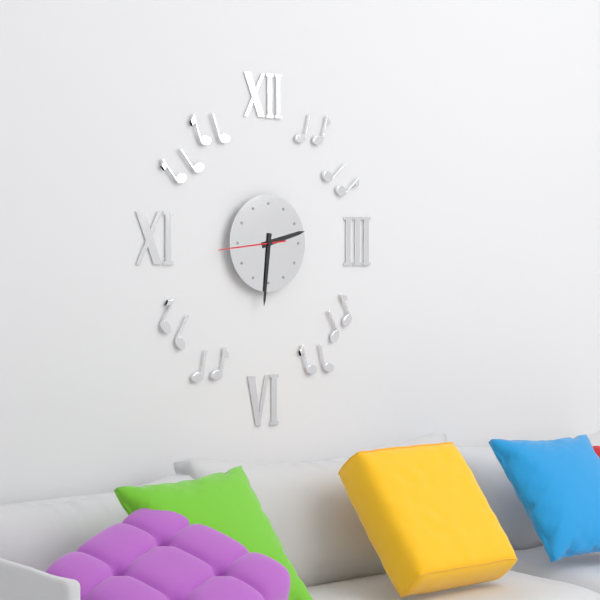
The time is 2:31:44
